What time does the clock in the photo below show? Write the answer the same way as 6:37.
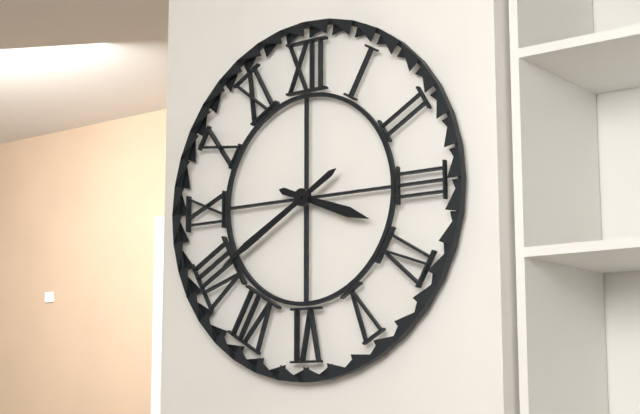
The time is 3:40
